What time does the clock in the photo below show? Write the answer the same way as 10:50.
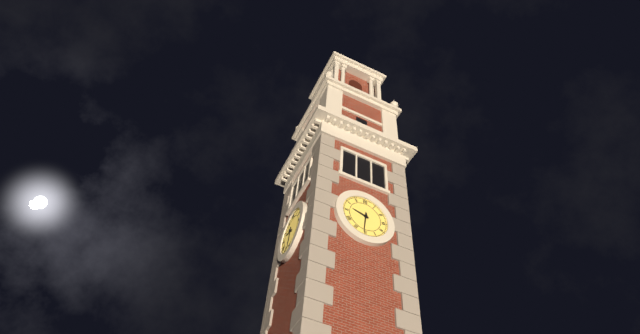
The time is 9:31
